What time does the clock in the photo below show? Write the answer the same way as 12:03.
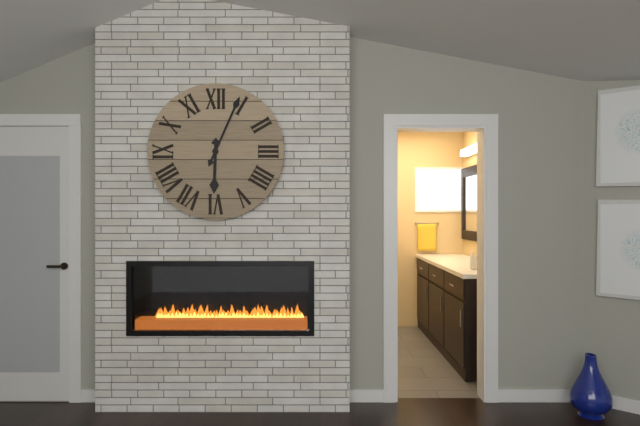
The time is 6:04
